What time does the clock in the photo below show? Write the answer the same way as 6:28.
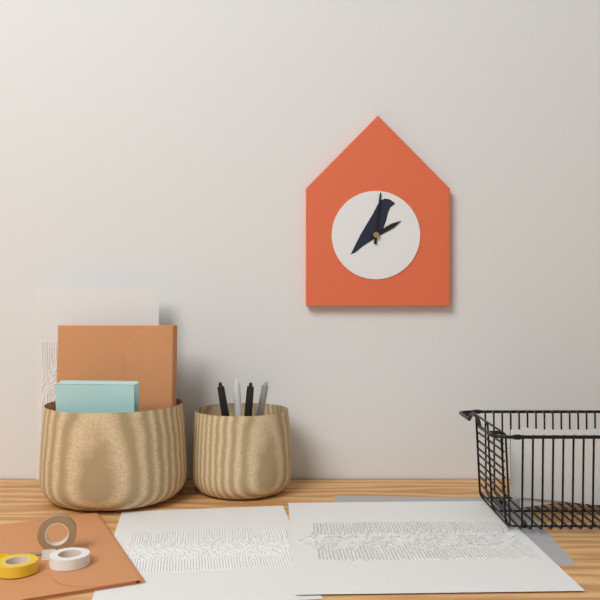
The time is 2:01
